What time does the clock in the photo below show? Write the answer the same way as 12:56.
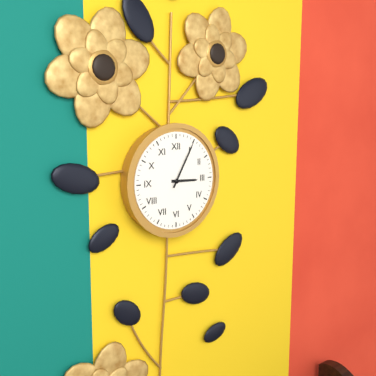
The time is 3:05
